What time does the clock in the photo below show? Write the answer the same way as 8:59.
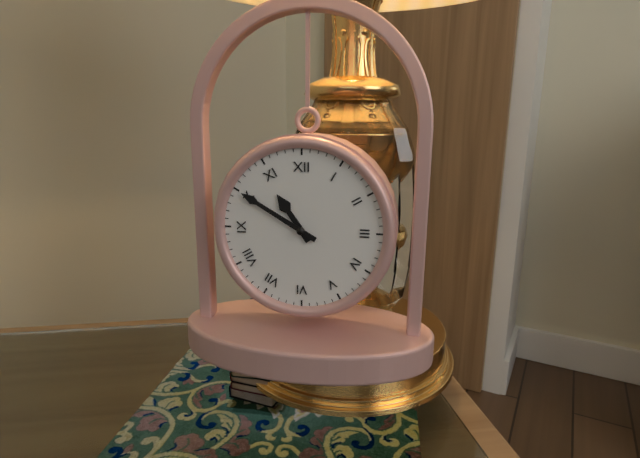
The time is 10:50
